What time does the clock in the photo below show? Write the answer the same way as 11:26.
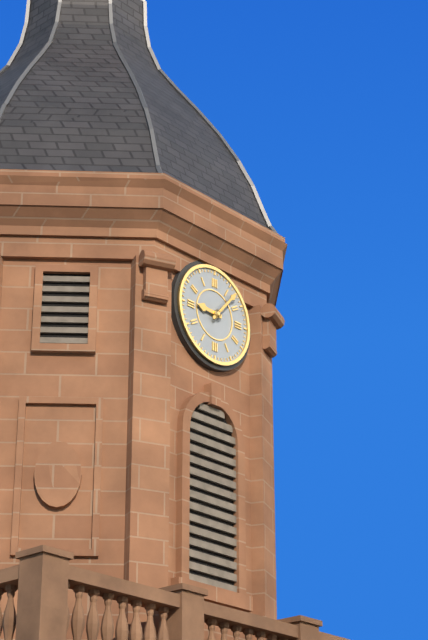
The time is 9:07
